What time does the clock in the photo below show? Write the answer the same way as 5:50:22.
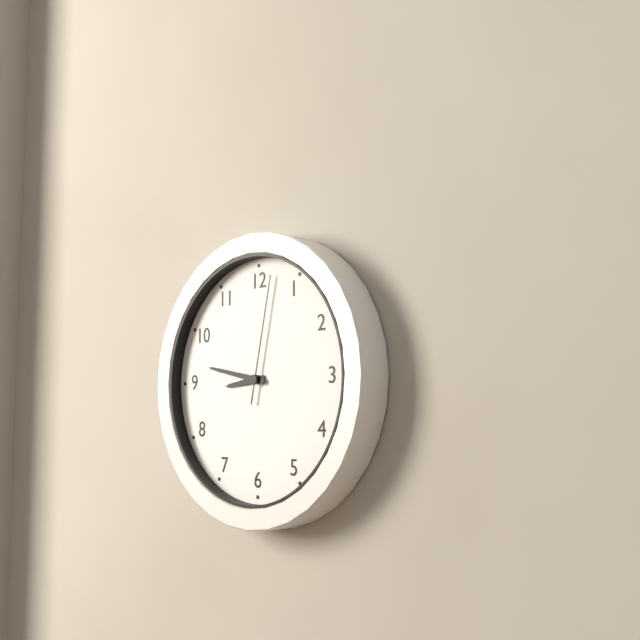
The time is 8:47:02
